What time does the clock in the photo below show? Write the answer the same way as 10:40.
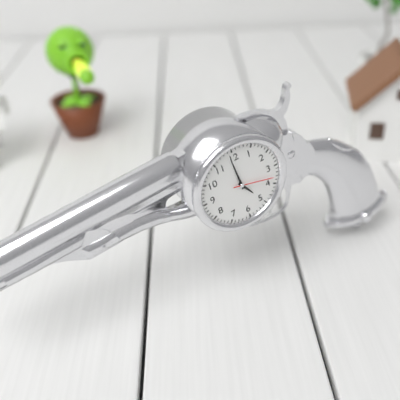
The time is 4:59
